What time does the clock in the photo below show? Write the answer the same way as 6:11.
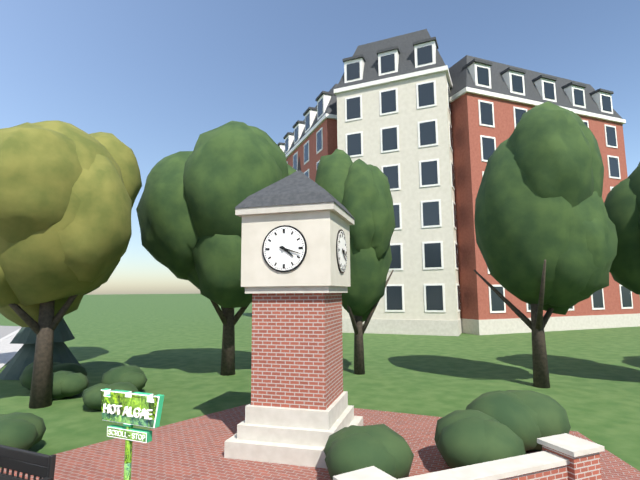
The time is 4:18
